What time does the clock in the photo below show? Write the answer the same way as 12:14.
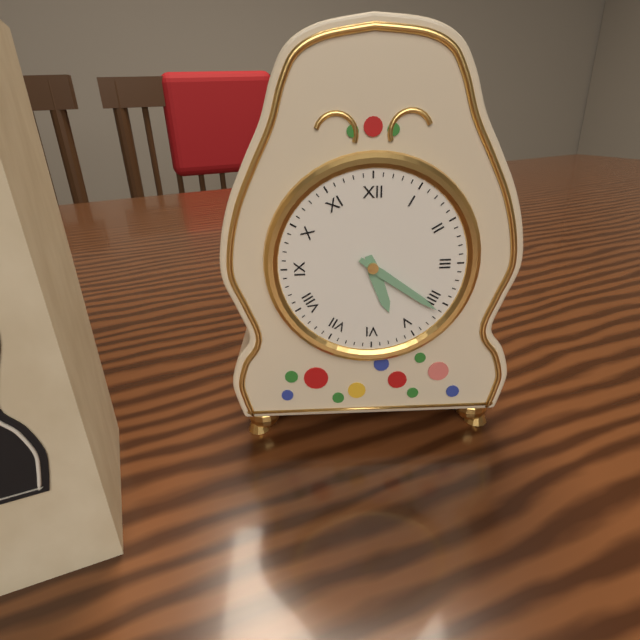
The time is 5:21
